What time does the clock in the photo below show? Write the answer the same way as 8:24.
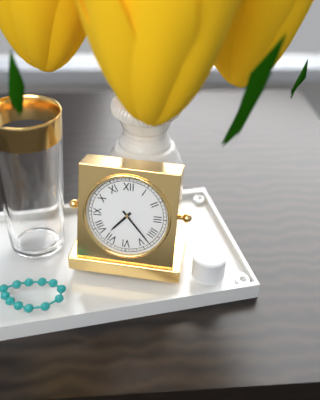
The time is 7:23
